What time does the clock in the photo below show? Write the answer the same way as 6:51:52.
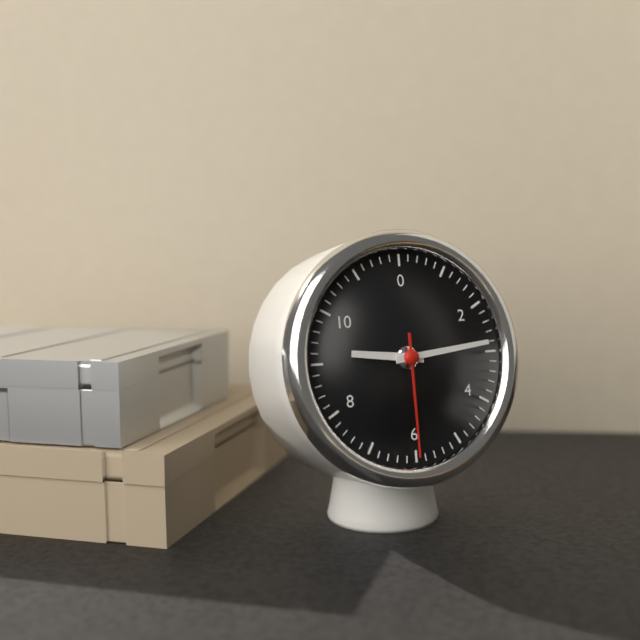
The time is 9:14:30
